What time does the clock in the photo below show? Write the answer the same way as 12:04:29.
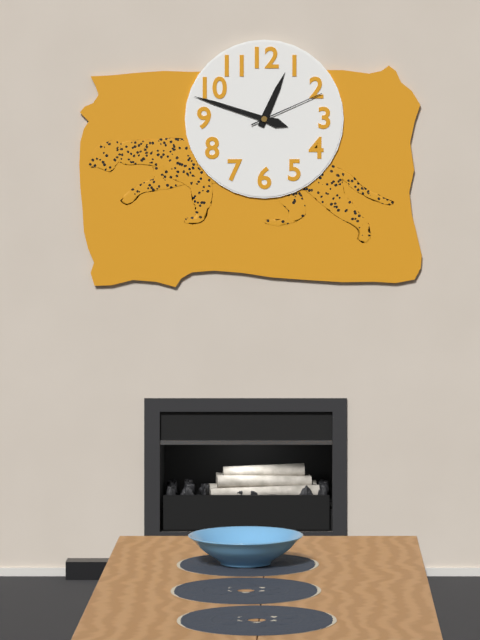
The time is 12:48:11
